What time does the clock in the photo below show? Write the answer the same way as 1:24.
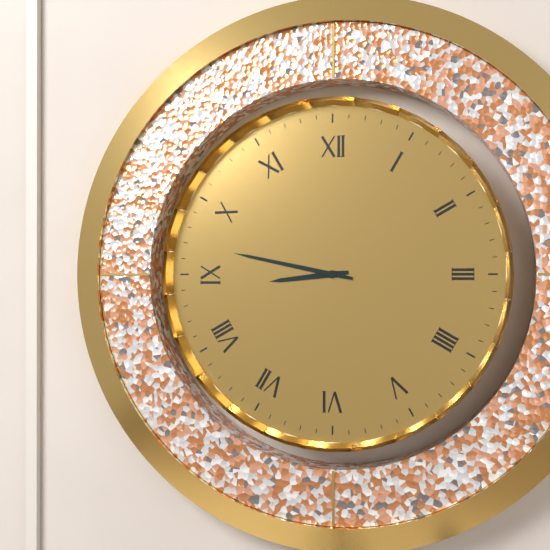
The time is 8:47
